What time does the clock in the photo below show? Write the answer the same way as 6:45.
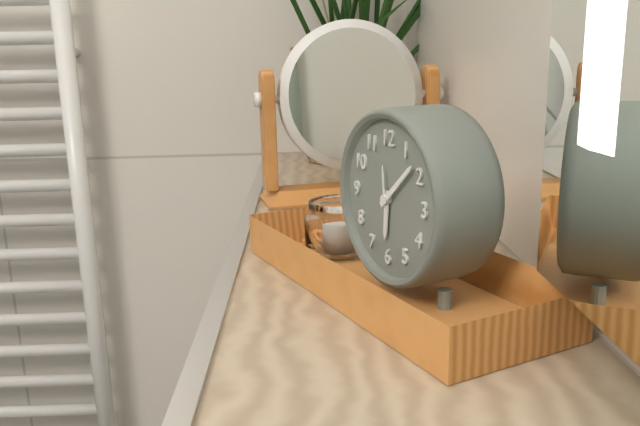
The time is 6:08
